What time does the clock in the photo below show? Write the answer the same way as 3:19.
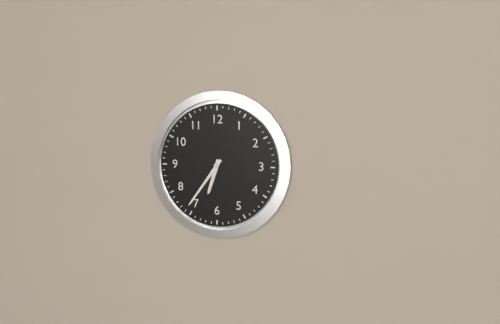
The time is 6:36
